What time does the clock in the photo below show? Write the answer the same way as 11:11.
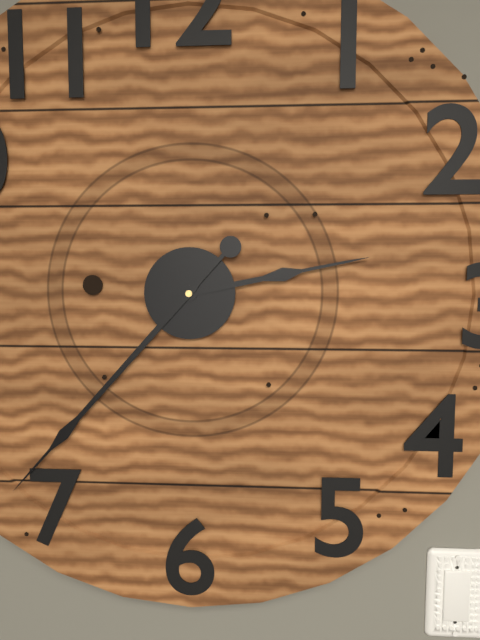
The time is 2:37
